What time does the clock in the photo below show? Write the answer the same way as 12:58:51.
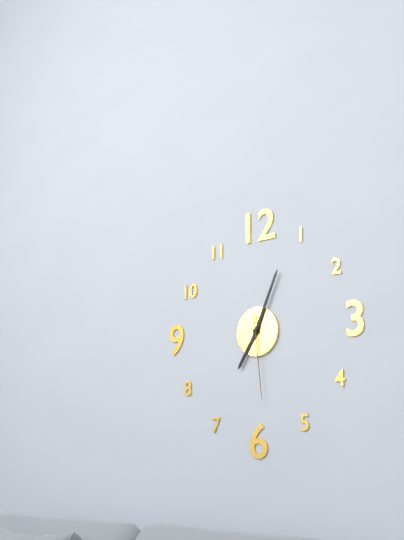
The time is 7:04:29
